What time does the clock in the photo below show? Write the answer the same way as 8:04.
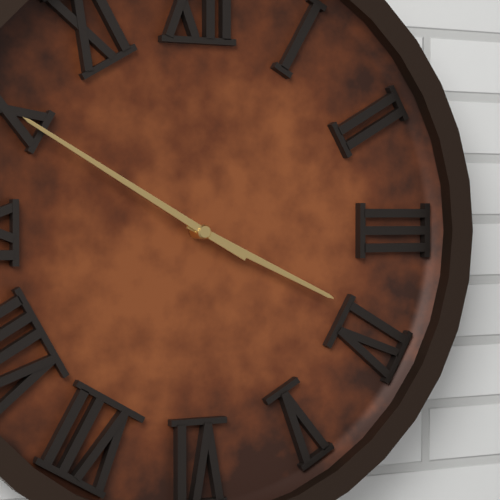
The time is 3:50
